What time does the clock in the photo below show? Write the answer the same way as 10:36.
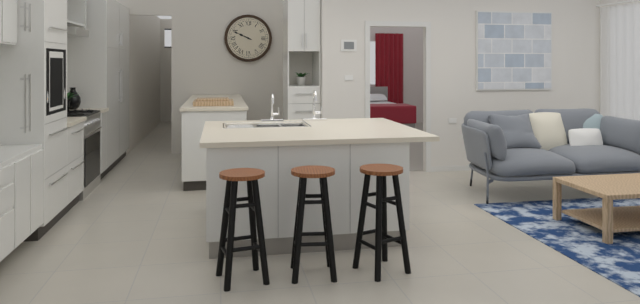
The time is 9:49
